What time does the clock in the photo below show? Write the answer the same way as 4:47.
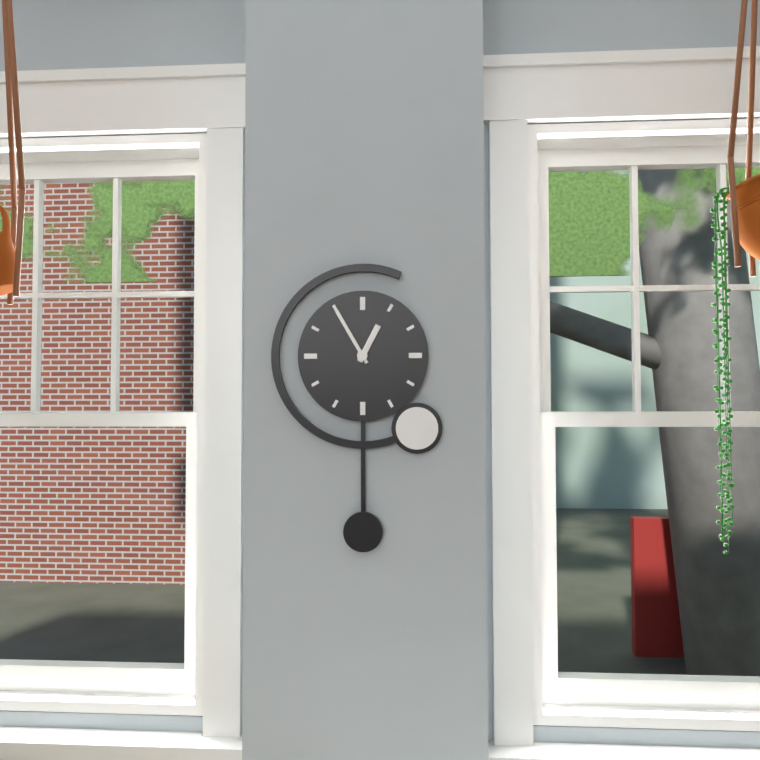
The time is 12:55
